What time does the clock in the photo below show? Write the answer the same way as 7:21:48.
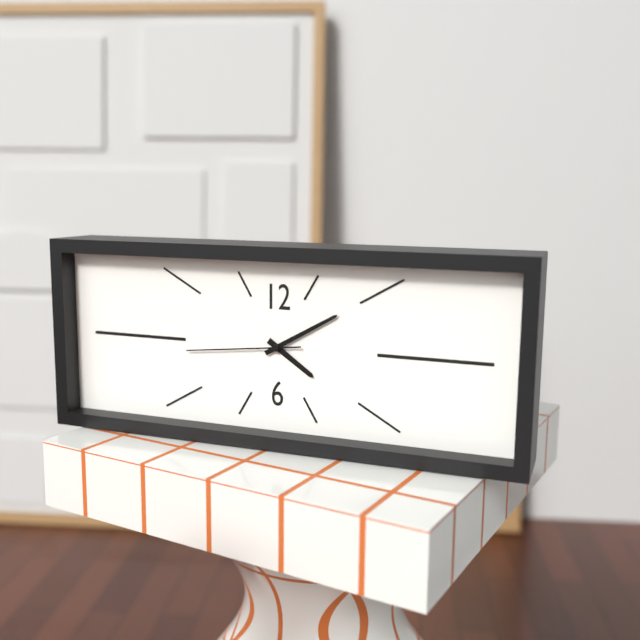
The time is 4:10:44
